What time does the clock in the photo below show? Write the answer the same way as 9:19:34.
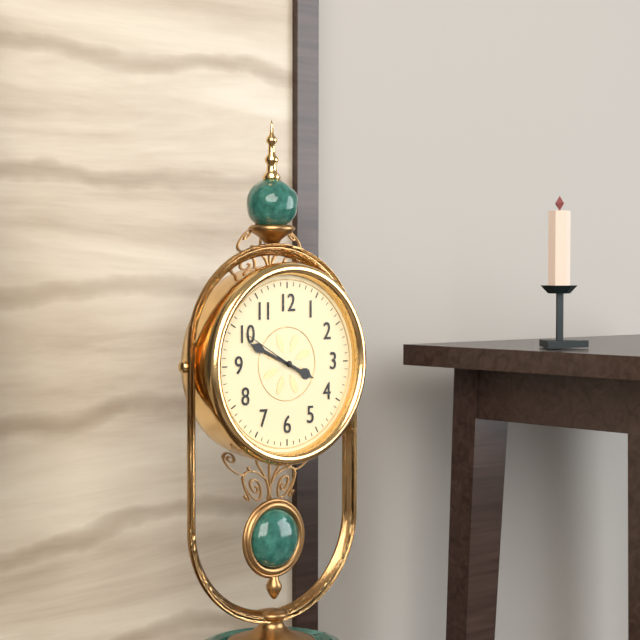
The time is 3:49:50
